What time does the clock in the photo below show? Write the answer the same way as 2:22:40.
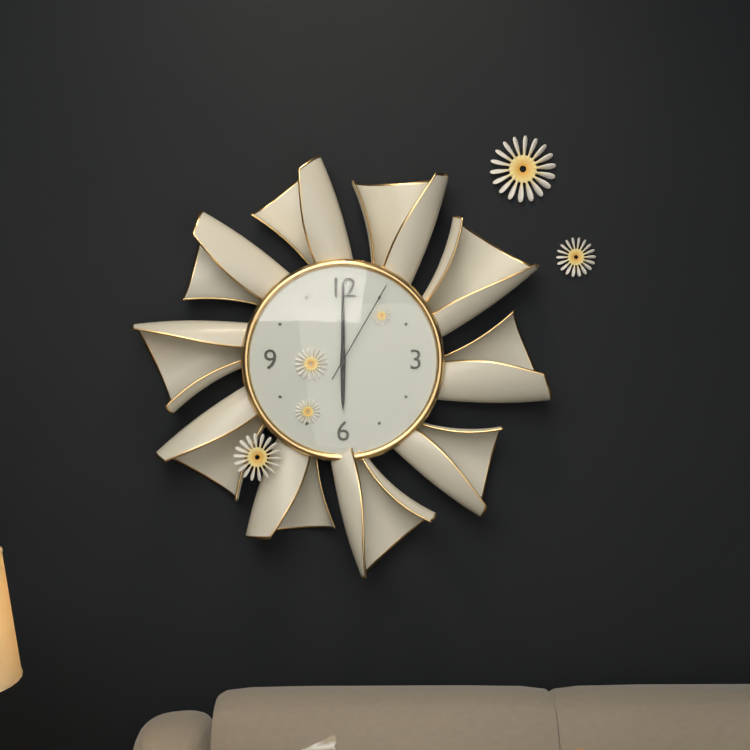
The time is 6:00:05
